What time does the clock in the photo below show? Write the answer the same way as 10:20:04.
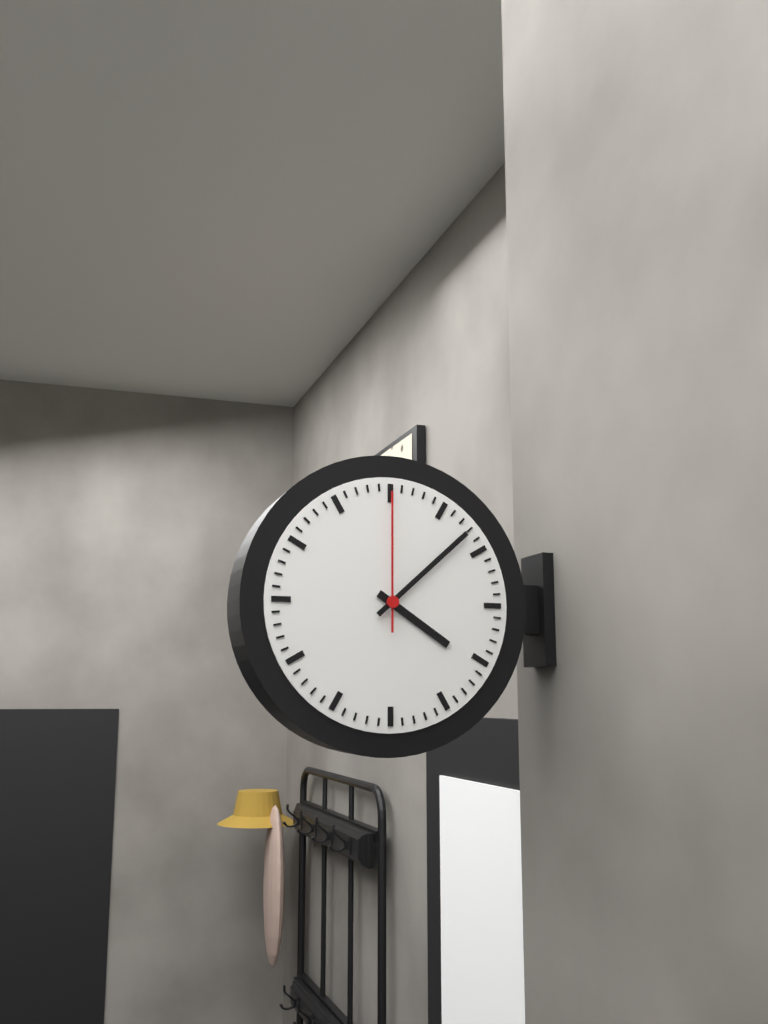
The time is 4:08:00
